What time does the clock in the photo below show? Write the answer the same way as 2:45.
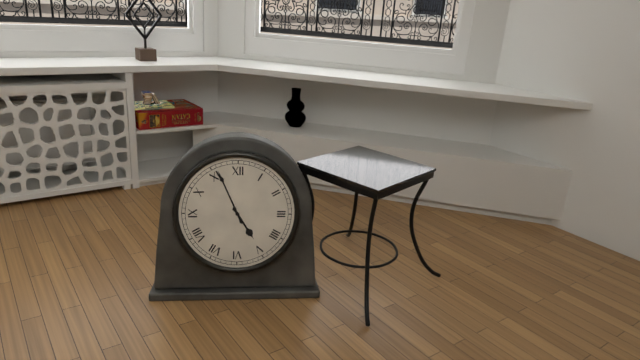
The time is 4:56
